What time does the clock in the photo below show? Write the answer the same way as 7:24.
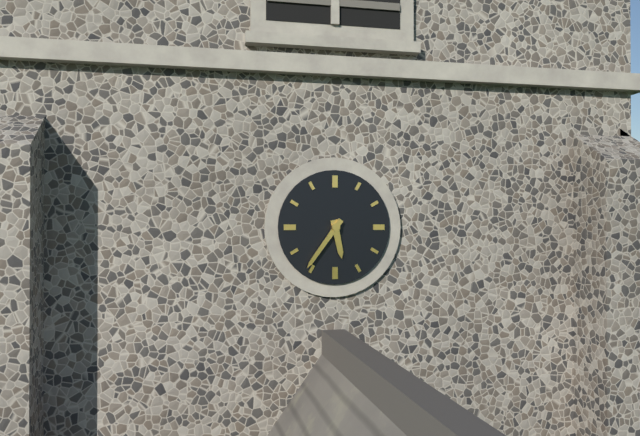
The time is 5:36
